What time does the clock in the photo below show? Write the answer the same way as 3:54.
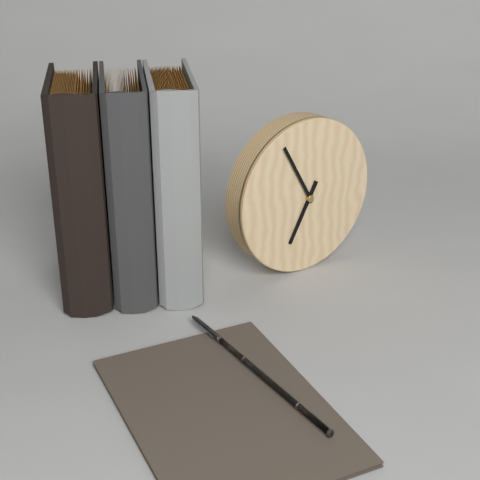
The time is 6:55
